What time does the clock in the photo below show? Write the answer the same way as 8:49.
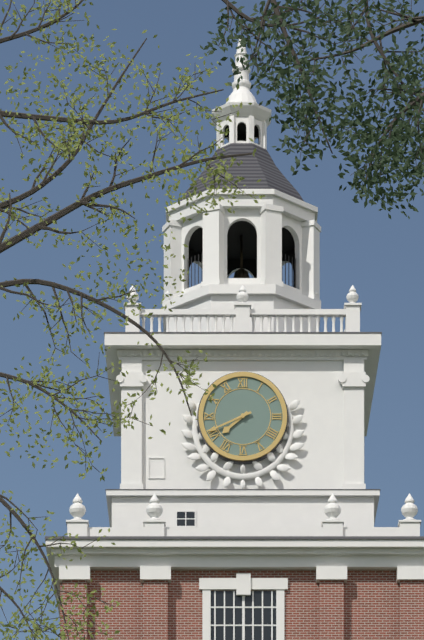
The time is 7:41
